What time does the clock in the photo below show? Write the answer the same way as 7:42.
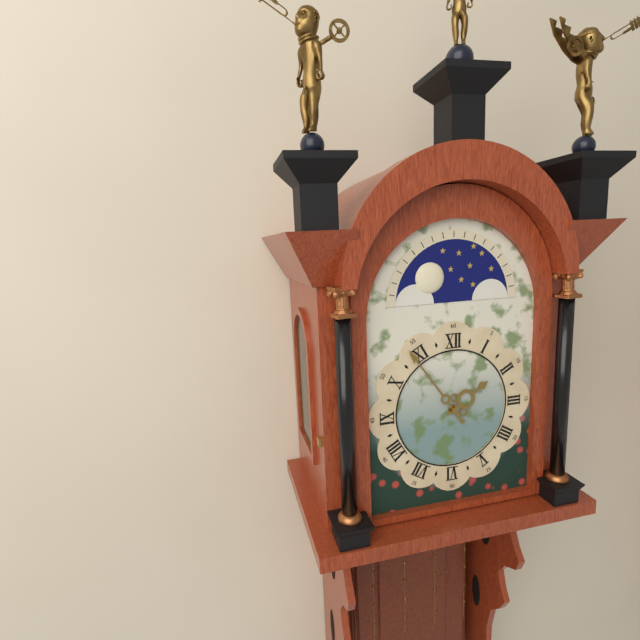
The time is 1:54
